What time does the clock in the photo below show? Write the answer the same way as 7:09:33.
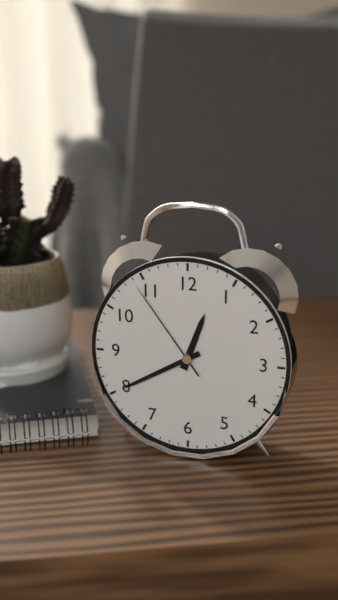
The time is 12:40:54
